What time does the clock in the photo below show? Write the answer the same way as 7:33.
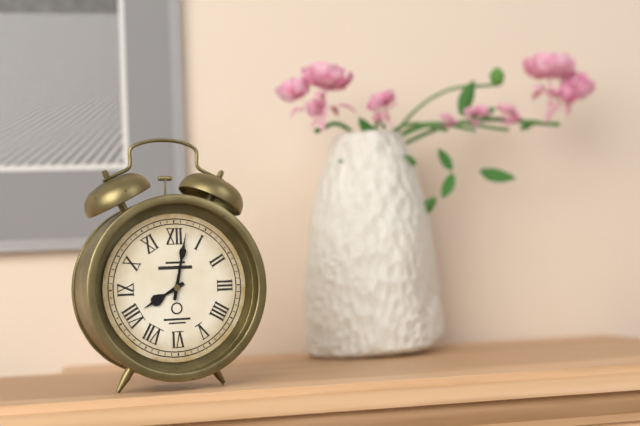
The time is 8:02
